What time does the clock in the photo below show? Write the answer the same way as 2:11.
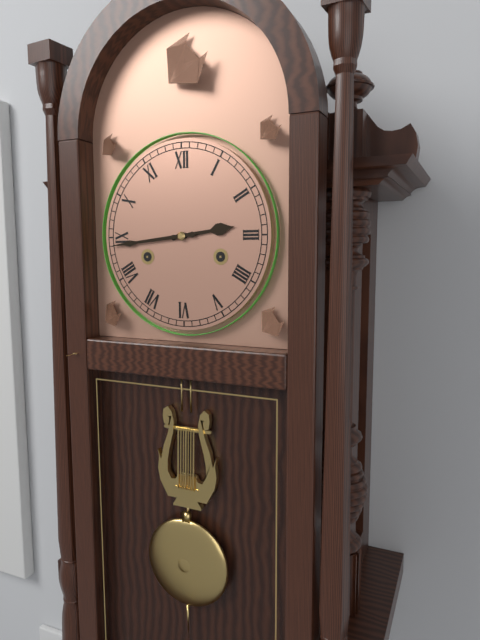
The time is 2:44
